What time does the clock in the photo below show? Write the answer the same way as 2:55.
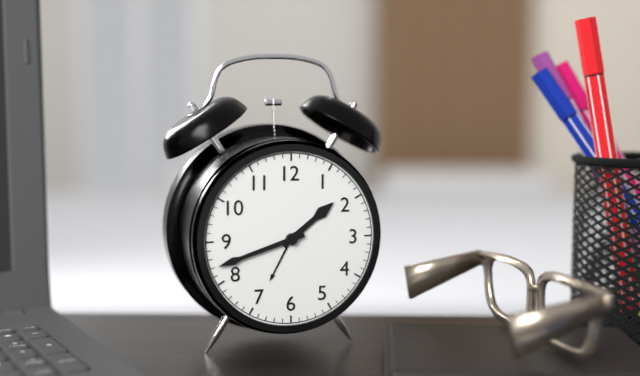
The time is 1:42
